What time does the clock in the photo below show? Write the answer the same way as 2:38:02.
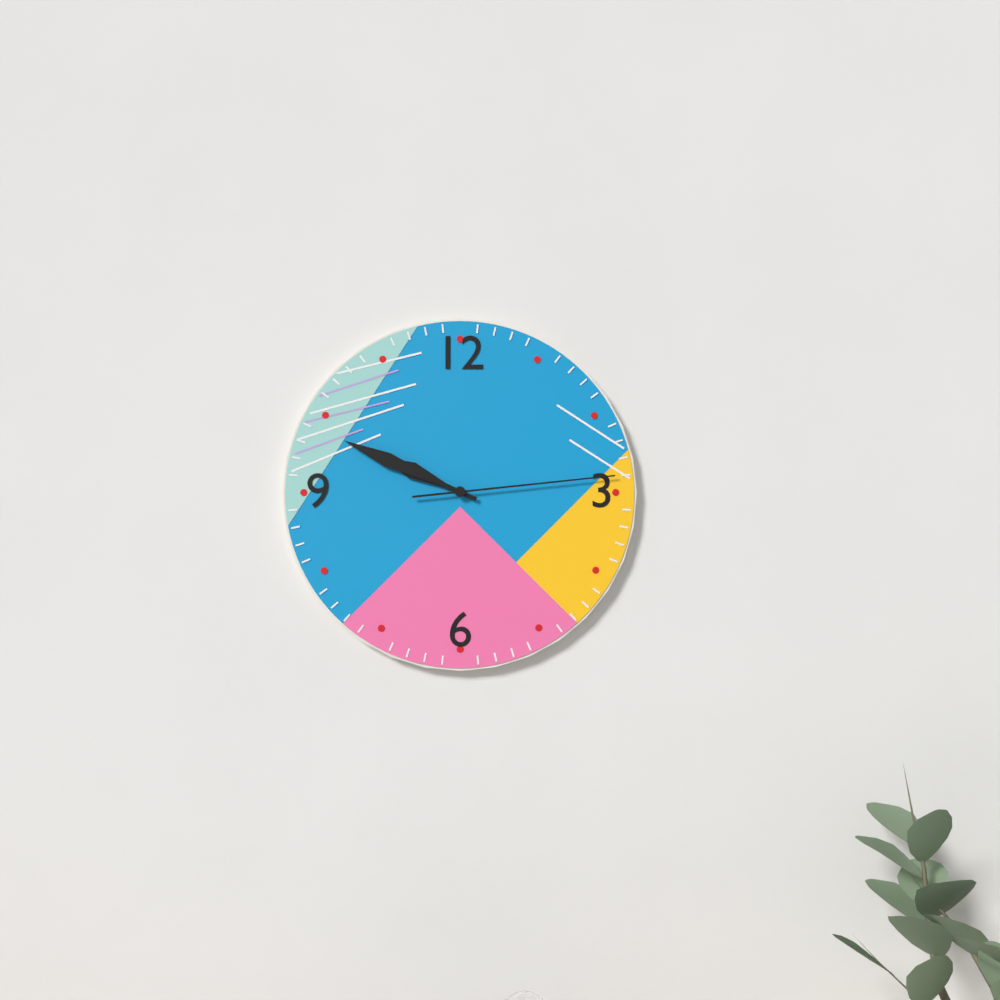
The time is 9:49:14
